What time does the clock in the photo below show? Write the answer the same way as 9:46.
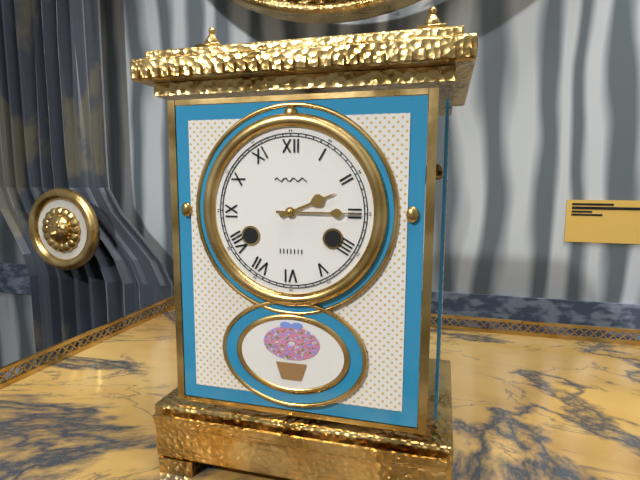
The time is 2:15
